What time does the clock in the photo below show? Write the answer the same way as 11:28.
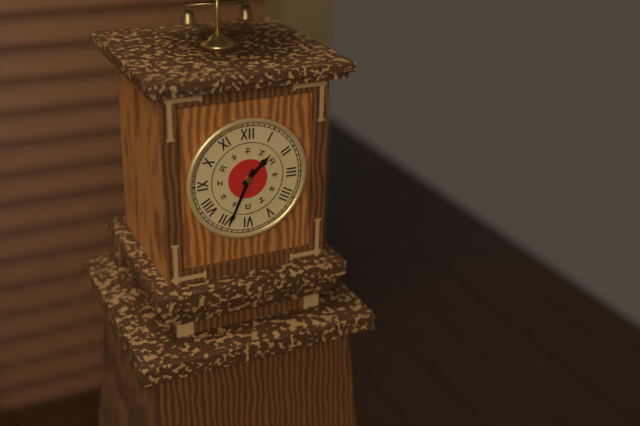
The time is 1:34
